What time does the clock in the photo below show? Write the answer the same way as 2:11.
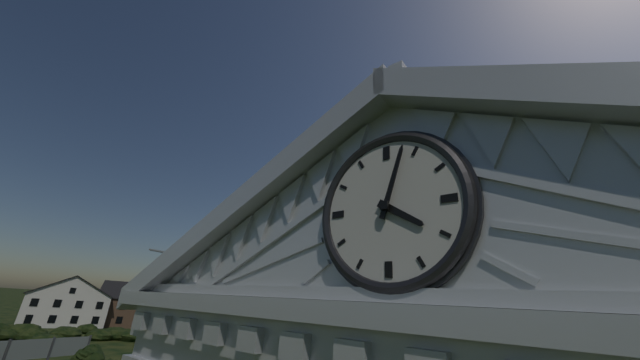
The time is 4:03
